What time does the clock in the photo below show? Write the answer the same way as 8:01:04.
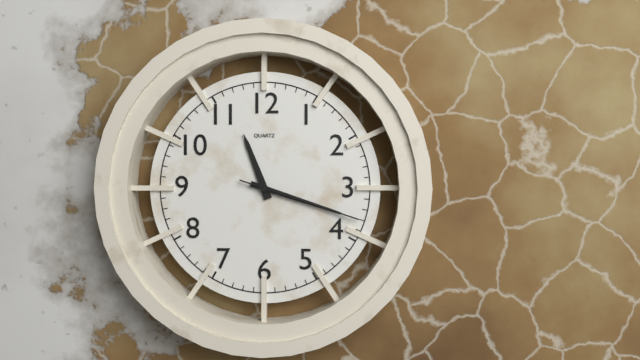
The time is 11:18:18
